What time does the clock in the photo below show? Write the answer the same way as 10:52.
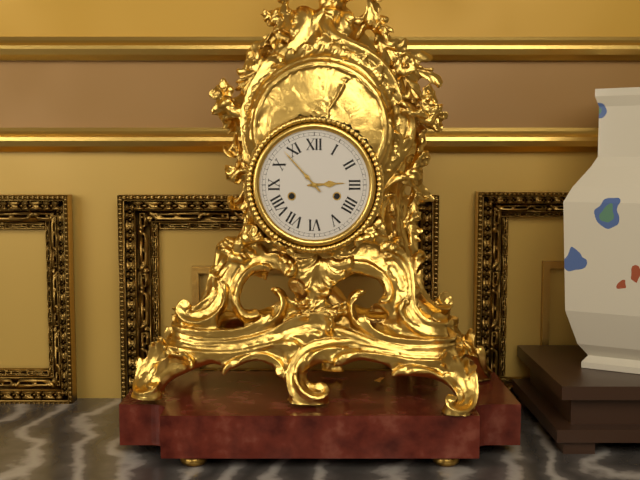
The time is 2:53
